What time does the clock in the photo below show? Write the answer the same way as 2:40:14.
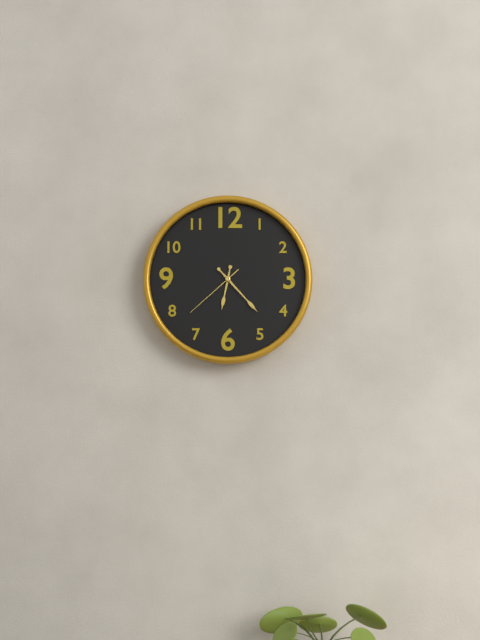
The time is 6:23:38
